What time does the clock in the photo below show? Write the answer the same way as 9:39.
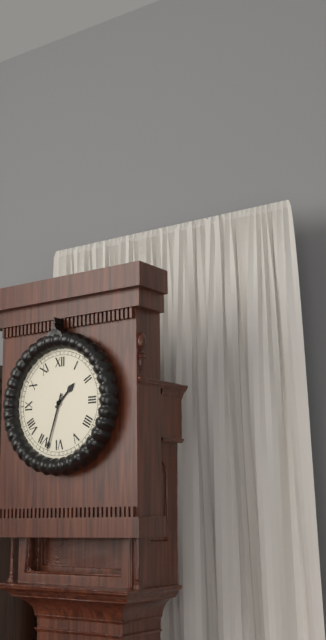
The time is 1:33
